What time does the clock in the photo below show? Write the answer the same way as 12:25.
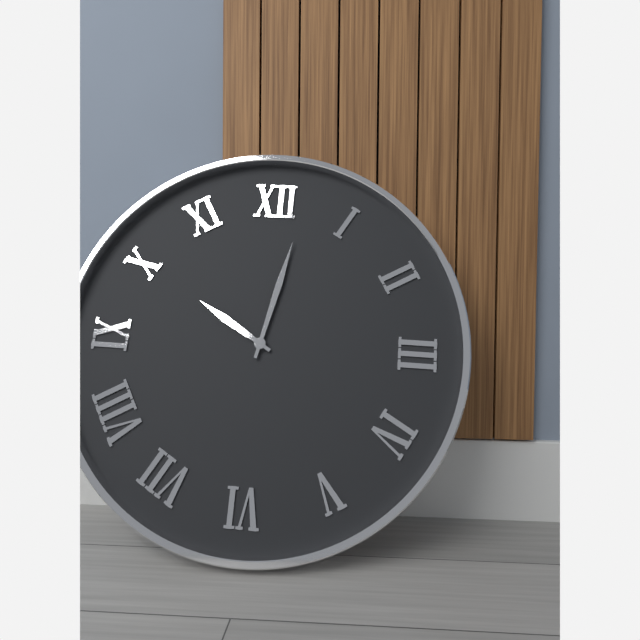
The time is 10:02
